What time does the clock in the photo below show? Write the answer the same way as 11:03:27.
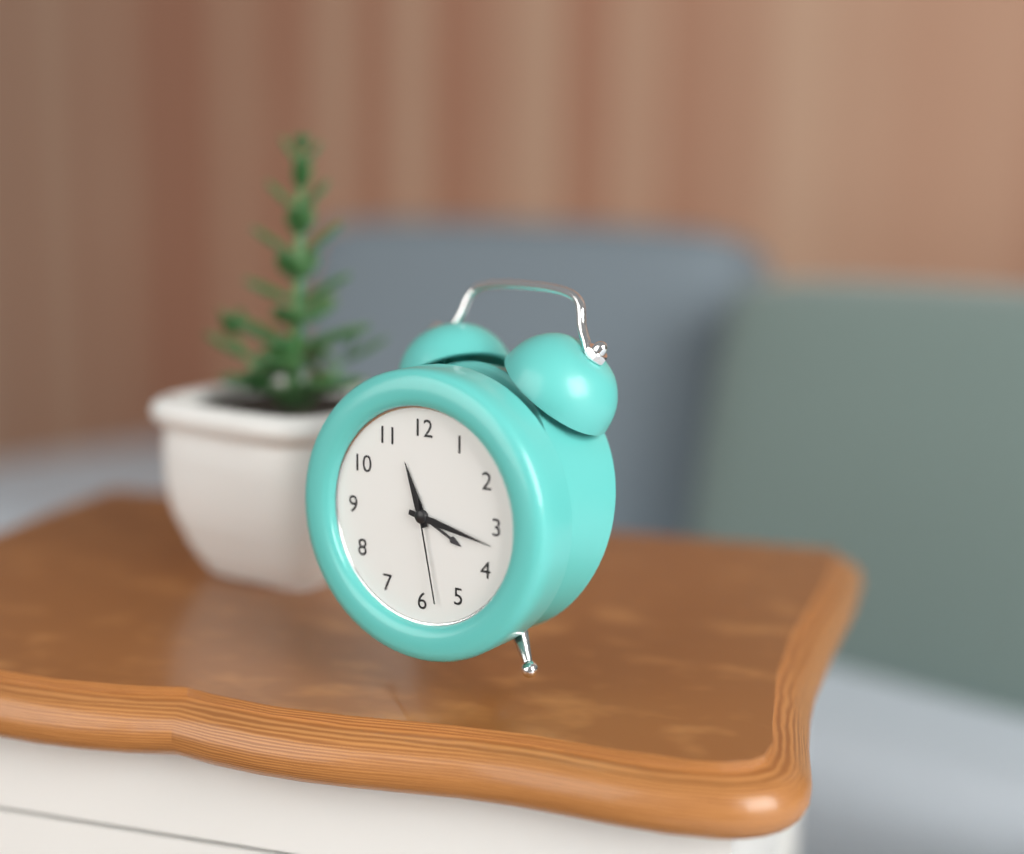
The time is 11:17:28
